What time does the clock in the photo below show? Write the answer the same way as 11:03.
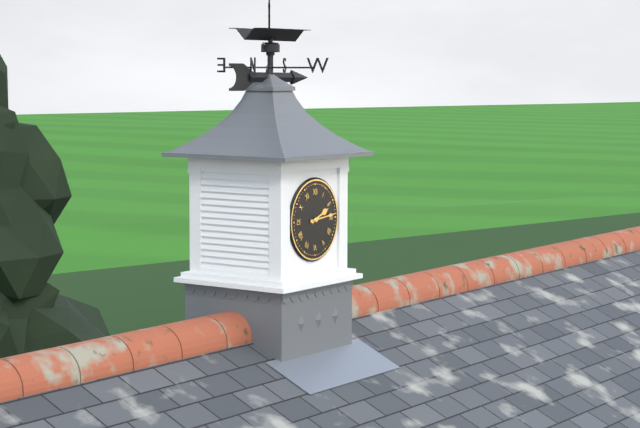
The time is 2:14
